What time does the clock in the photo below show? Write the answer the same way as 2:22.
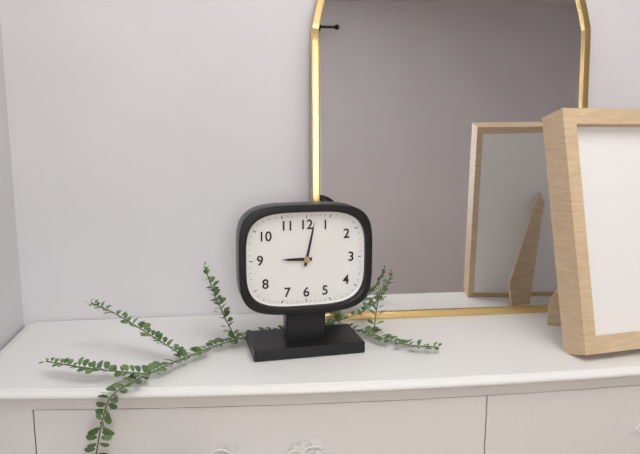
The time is 9:02
